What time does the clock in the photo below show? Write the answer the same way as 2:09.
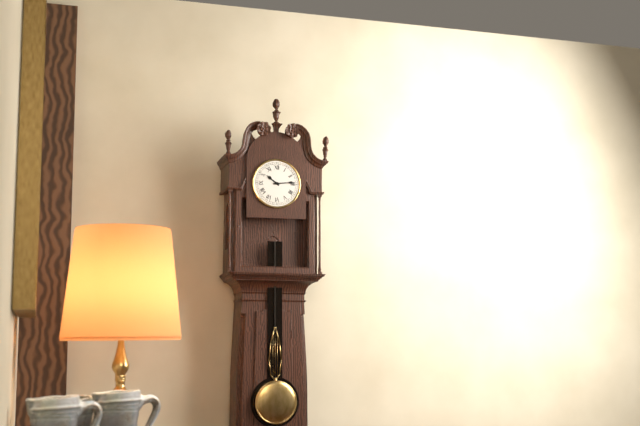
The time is 10:14
